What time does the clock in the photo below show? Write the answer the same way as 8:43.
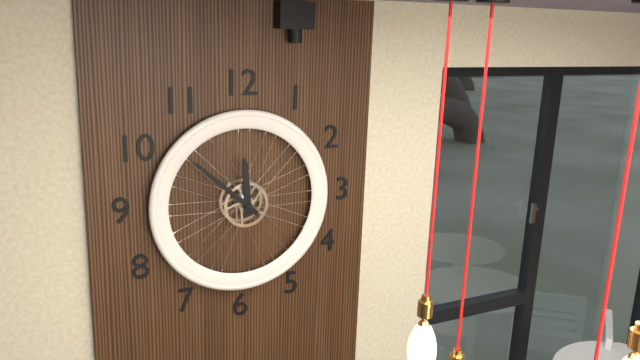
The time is 11:52
